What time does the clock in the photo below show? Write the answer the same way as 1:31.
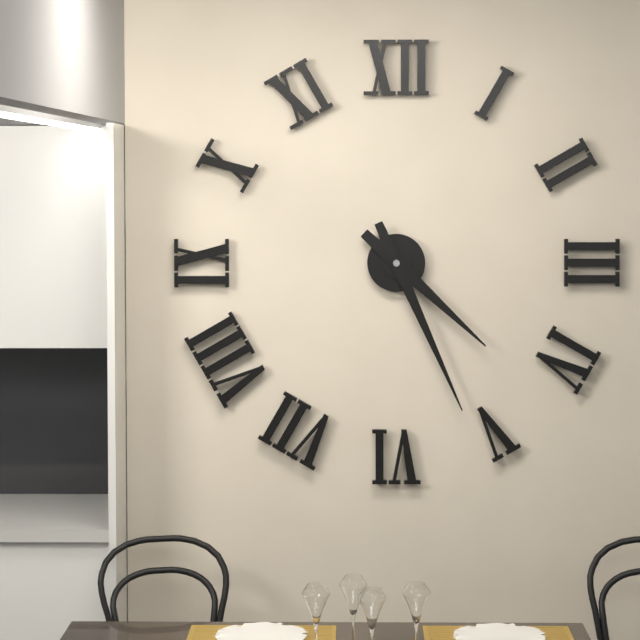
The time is 4:26
